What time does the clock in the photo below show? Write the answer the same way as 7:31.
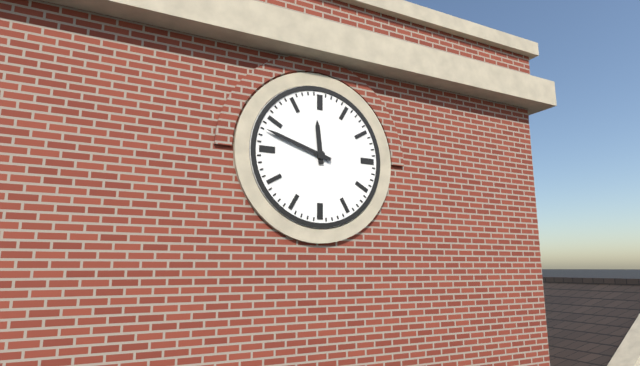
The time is 11:48
